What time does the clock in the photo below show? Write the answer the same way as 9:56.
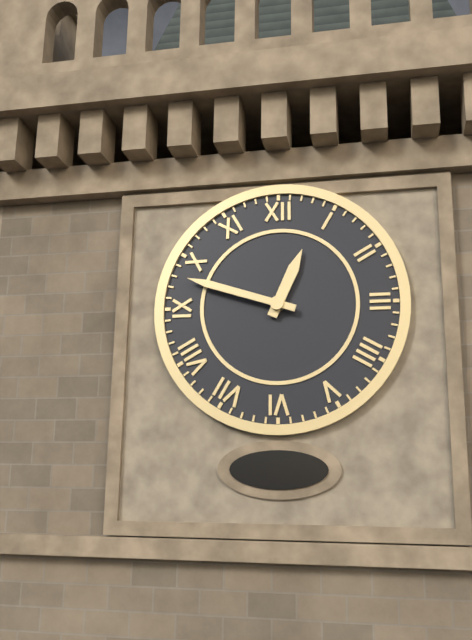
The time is 12:48
